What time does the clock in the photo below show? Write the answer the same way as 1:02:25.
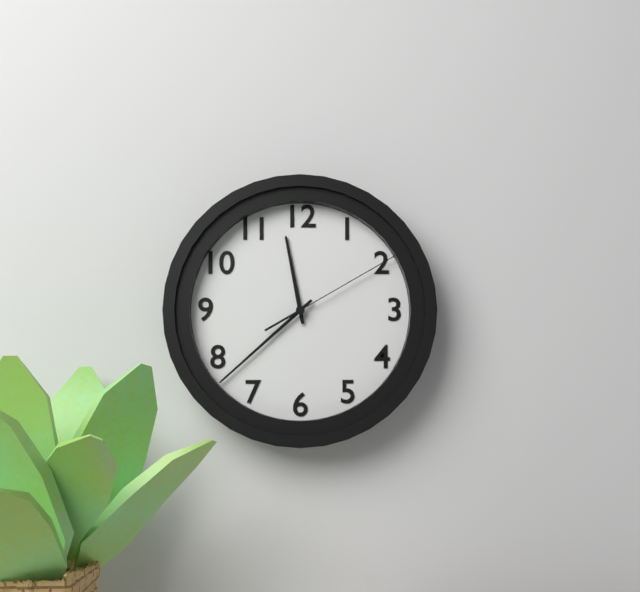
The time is 11:38:10
